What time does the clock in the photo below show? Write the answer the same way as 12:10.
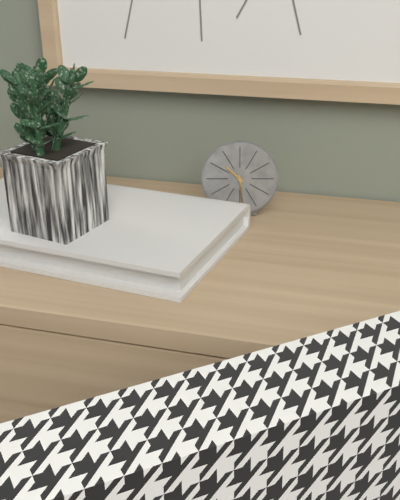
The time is 10:29
